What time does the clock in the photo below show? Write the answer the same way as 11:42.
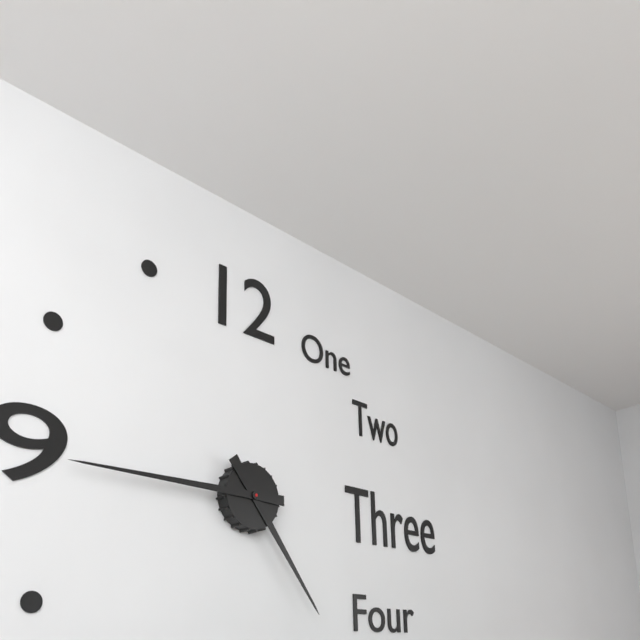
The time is 4:45
